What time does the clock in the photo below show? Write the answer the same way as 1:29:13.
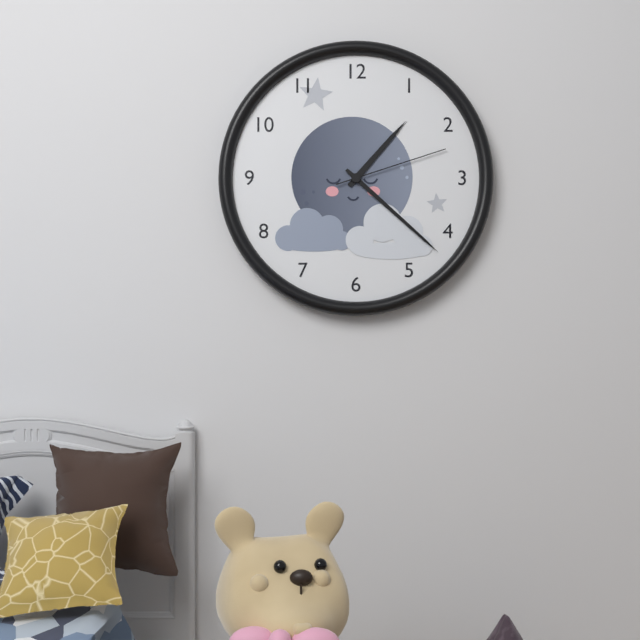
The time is 1:22:12
